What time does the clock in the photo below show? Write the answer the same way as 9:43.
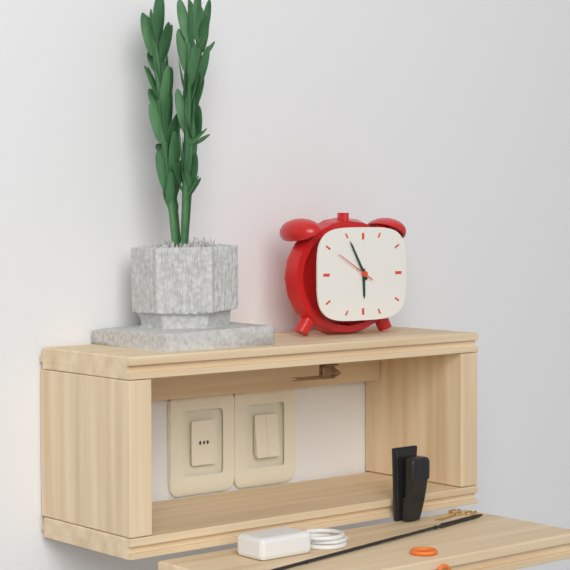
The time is 5:55
